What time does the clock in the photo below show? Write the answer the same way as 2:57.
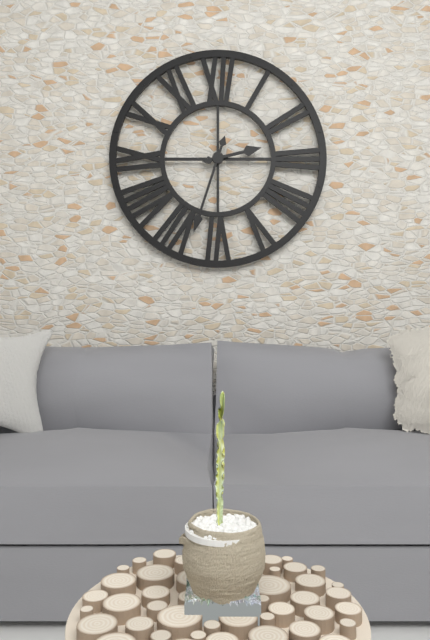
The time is 2:33
